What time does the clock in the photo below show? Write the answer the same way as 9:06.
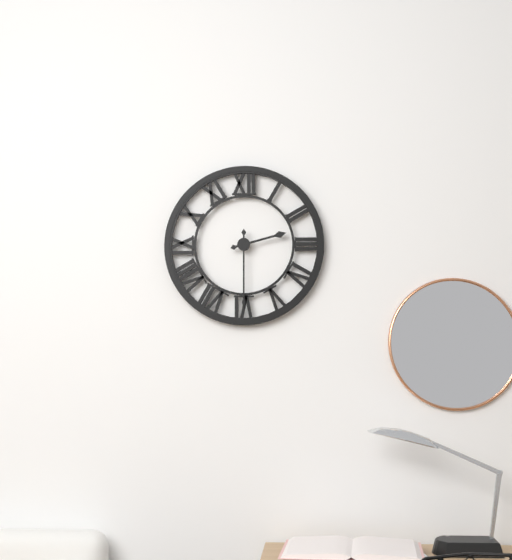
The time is 2:30
